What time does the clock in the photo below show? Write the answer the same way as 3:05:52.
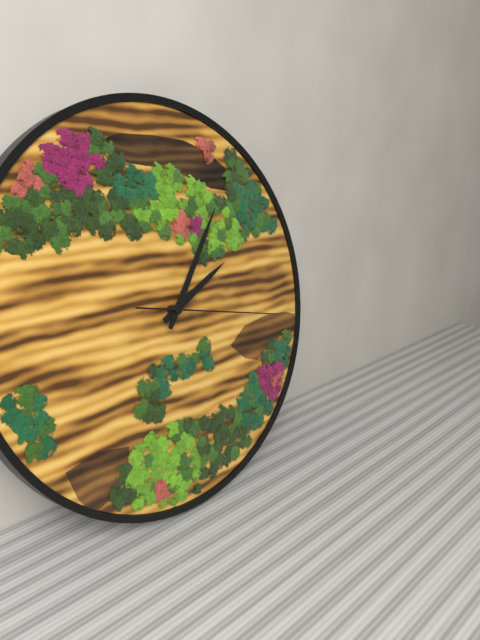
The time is 2:06:17
